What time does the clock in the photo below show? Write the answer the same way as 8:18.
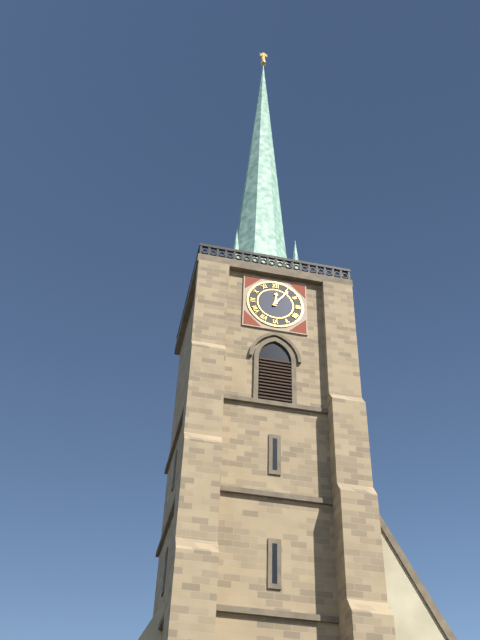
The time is 12:06
